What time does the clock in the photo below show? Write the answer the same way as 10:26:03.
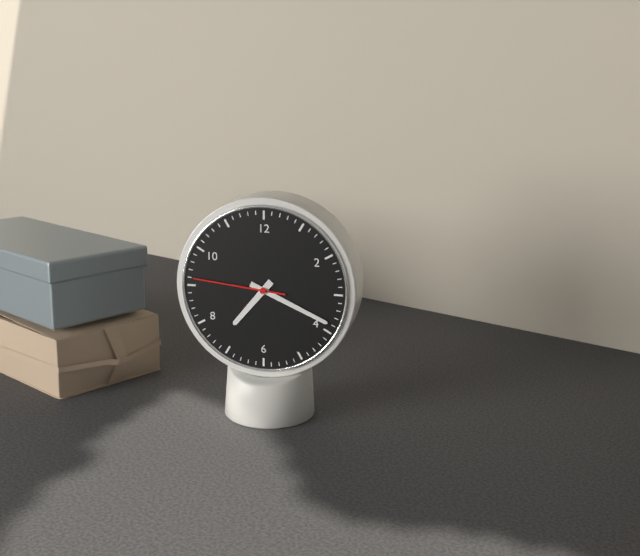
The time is 7:19:46
